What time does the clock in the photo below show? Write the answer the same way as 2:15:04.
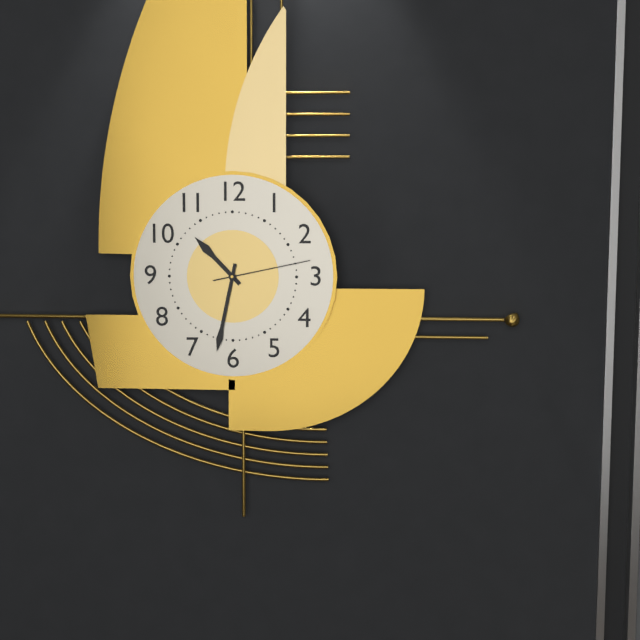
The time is 10:32:13
